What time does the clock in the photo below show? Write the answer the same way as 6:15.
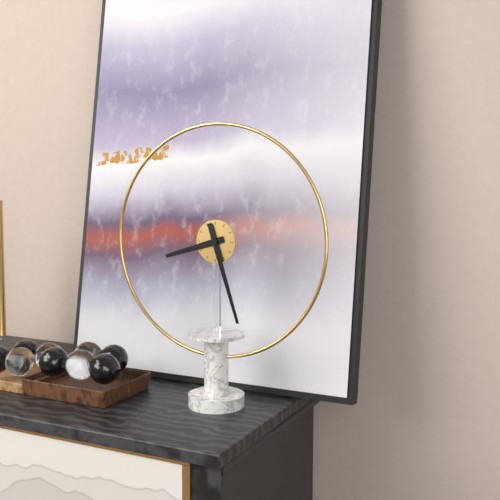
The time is 8:27
